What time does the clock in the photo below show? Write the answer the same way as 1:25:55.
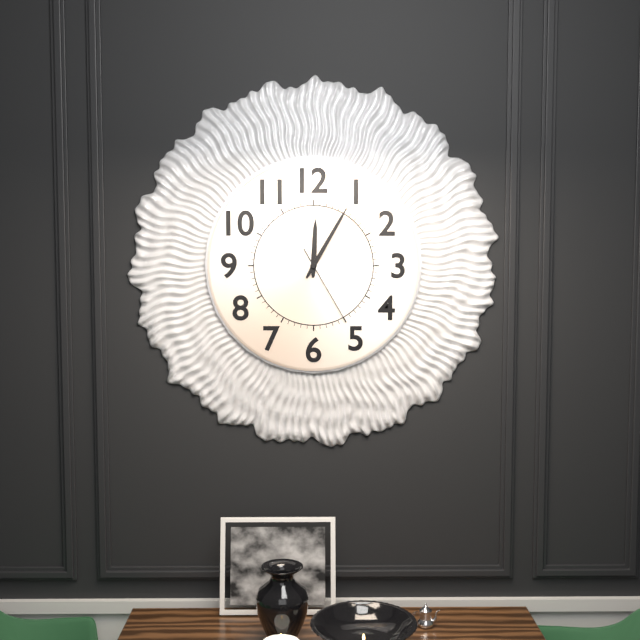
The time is 12:05:25
